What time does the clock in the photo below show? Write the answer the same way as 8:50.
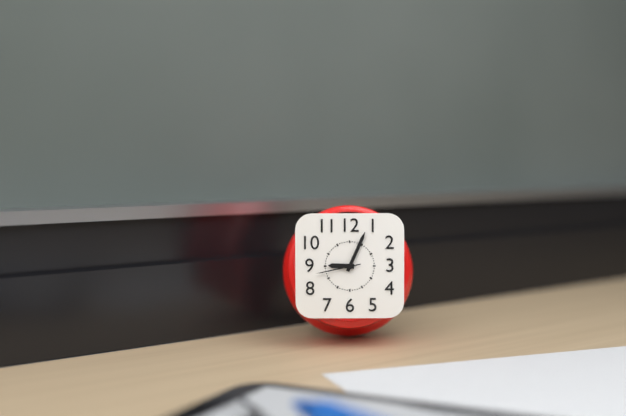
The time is 9:04
